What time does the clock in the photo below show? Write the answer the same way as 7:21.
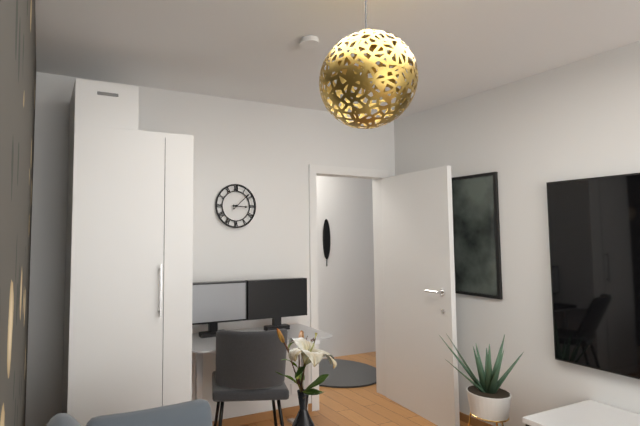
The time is 3:08
